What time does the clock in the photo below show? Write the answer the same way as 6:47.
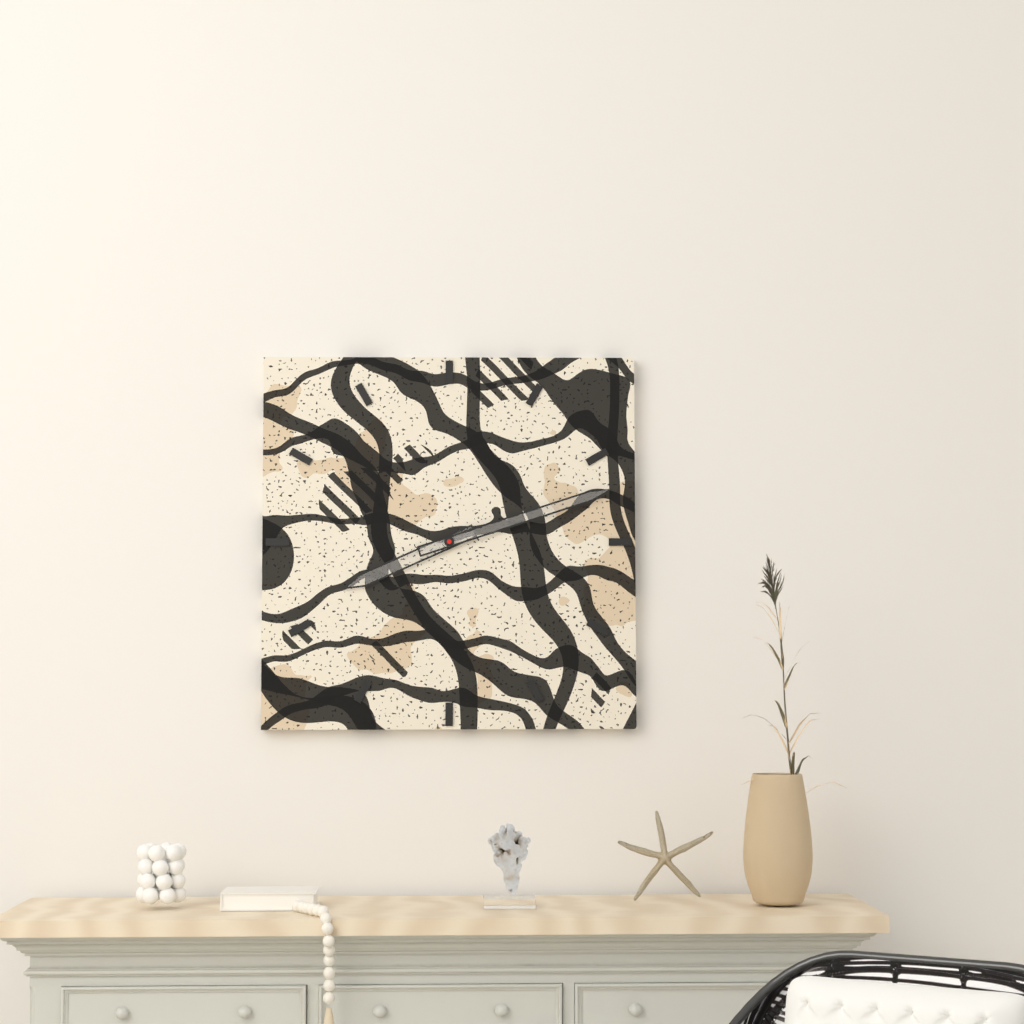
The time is 8:12
